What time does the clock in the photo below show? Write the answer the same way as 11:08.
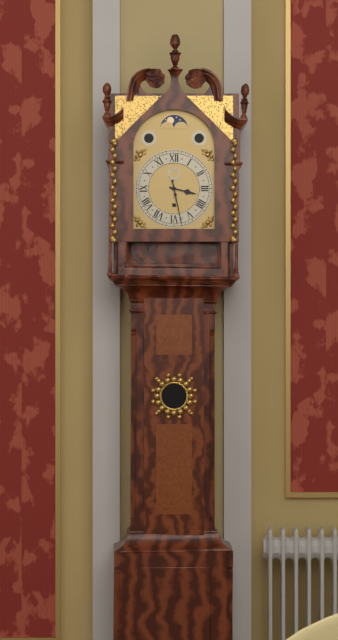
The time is 3:28
